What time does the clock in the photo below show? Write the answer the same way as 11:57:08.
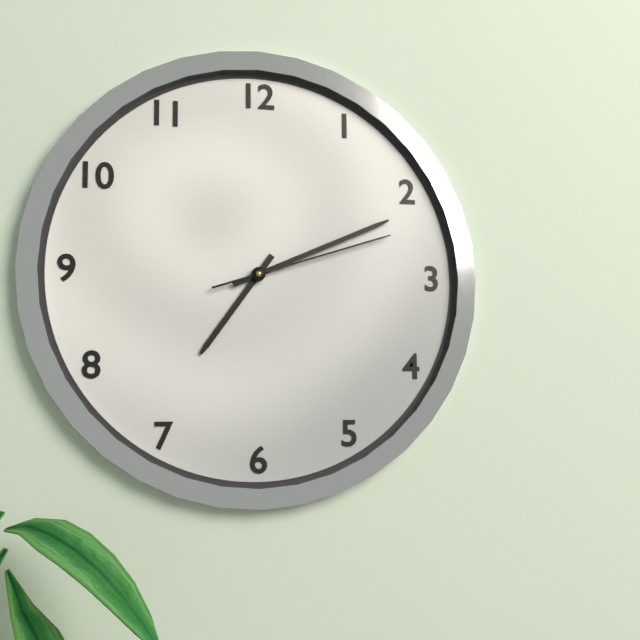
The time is 7:11:12
